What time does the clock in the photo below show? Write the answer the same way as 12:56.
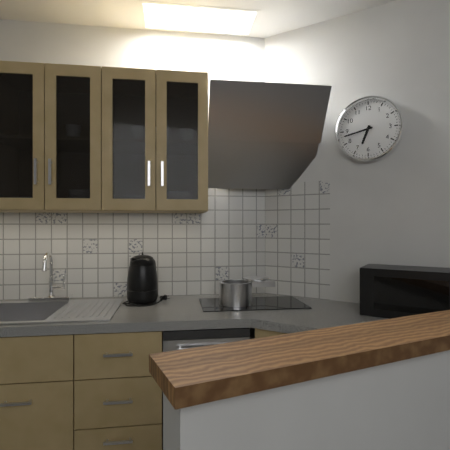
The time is 6:43
